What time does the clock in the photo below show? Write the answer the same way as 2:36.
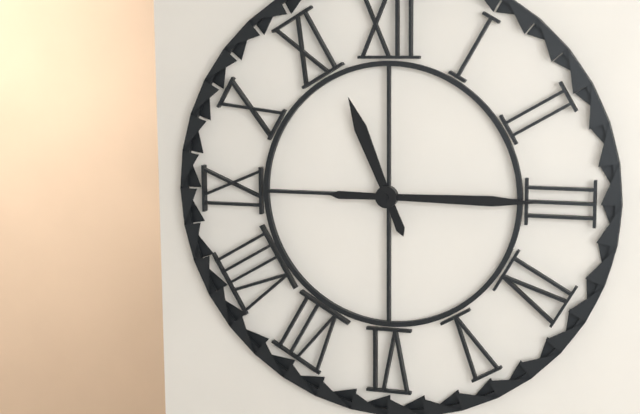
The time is 11:15
